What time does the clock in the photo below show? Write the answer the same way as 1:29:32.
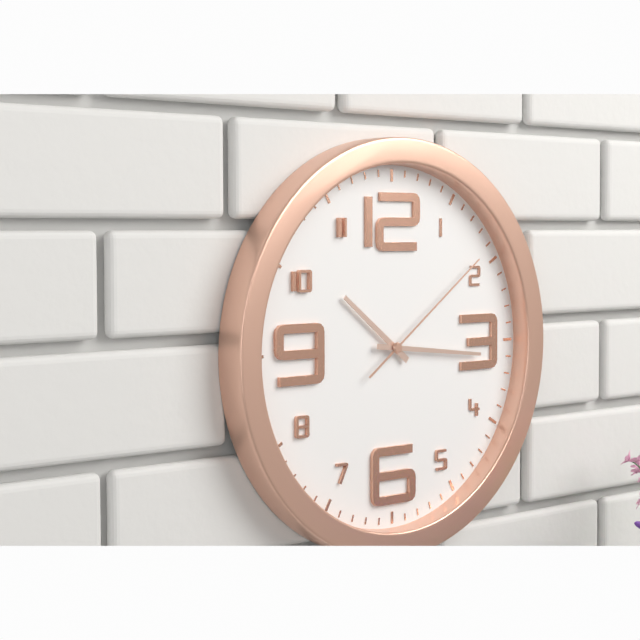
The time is 10:16:09
